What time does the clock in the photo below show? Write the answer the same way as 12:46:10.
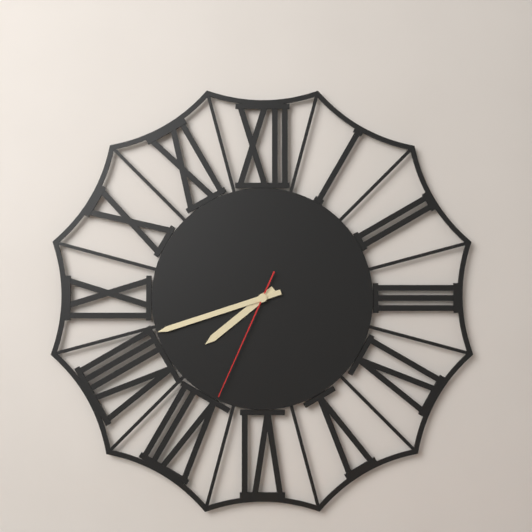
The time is 7:42:34
